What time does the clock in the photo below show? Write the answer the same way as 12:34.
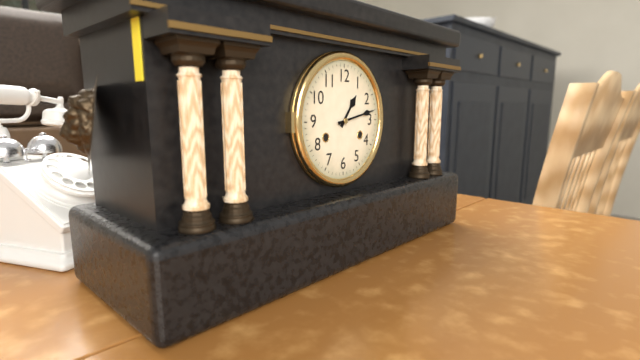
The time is 1:13
